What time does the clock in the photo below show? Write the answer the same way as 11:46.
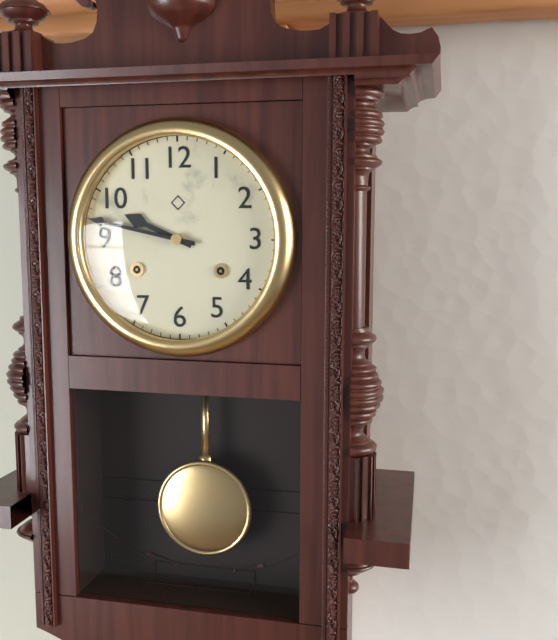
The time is 9:47
